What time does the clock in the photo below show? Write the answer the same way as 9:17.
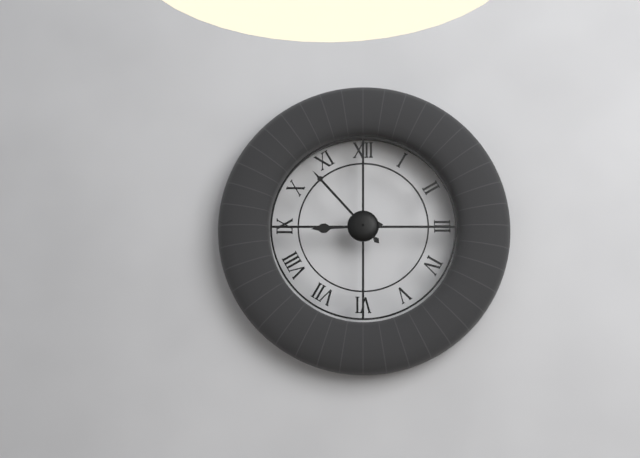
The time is 8:53
